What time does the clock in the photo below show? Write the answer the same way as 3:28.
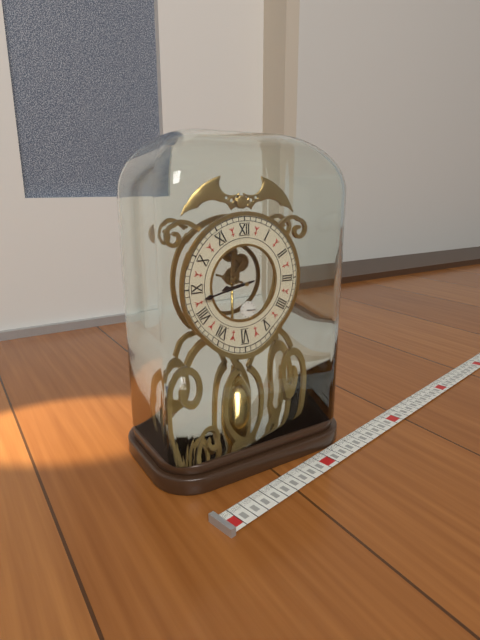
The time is 8:43
